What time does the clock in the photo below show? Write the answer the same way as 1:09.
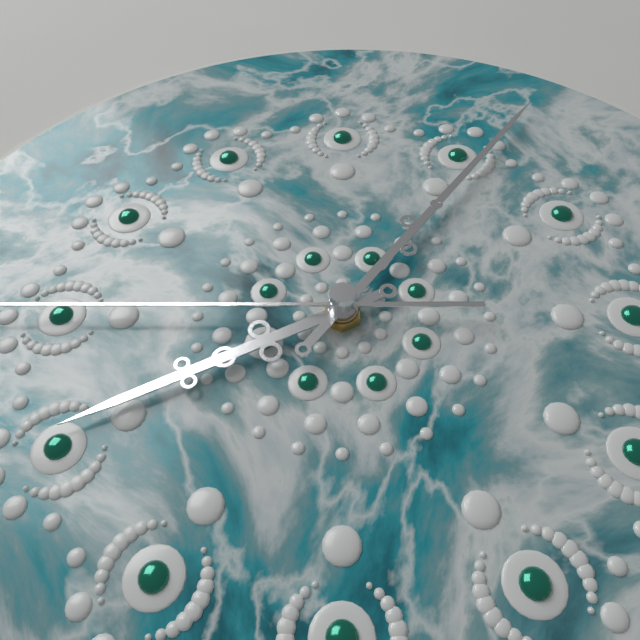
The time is 8:06
